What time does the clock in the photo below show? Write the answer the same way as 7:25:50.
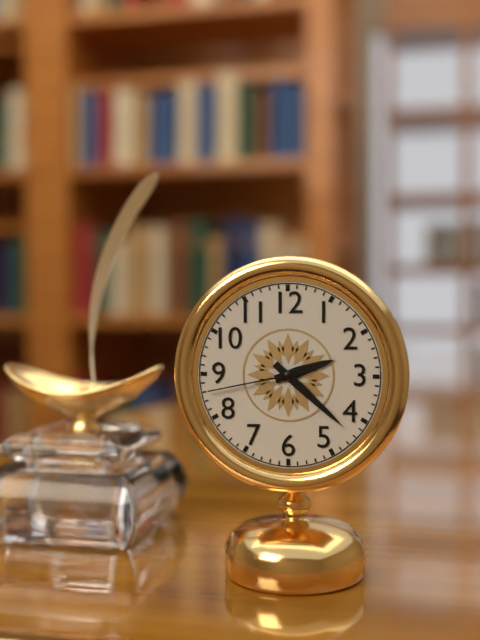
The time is 2:22:43
